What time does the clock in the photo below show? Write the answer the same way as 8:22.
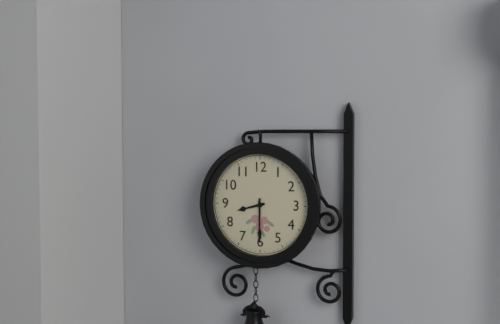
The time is 8:30
